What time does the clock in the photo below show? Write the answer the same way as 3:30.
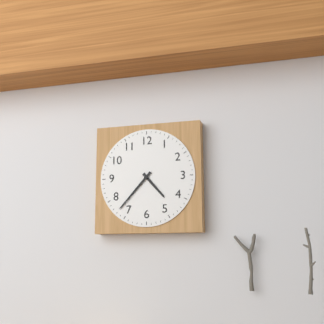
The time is 4:37
